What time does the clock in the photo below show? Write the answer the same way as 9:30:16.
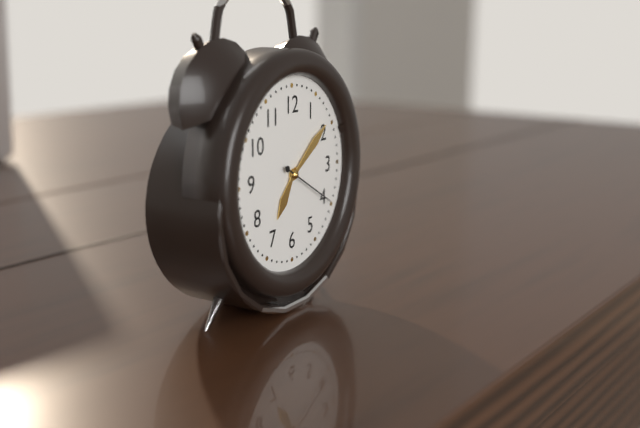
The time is 7:09:20
